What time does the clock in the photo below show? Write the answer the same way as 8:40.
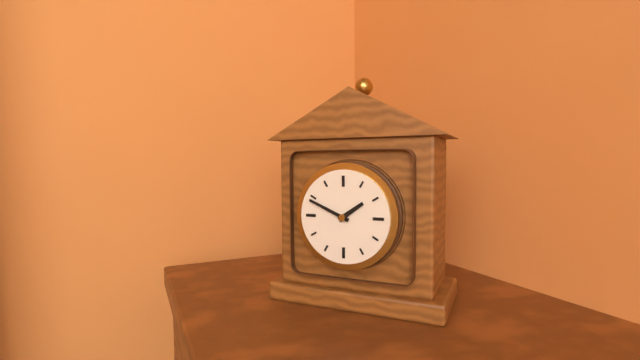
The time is 1:49
